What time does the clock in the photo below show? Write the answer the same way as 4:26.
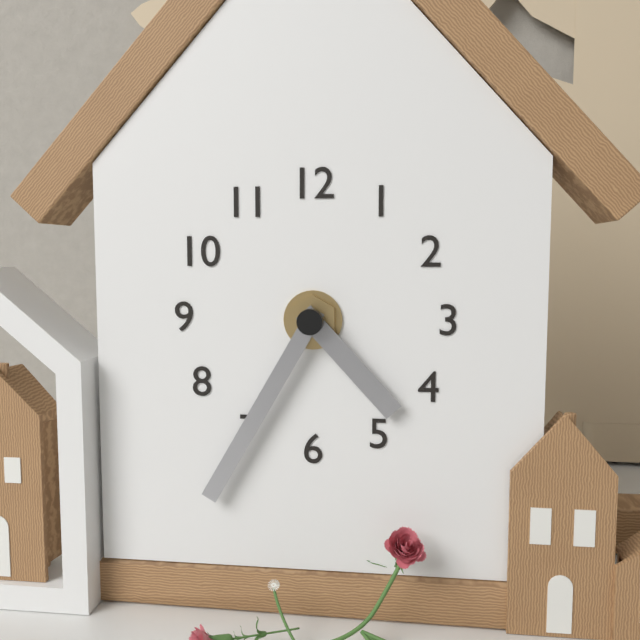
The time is 4:35
